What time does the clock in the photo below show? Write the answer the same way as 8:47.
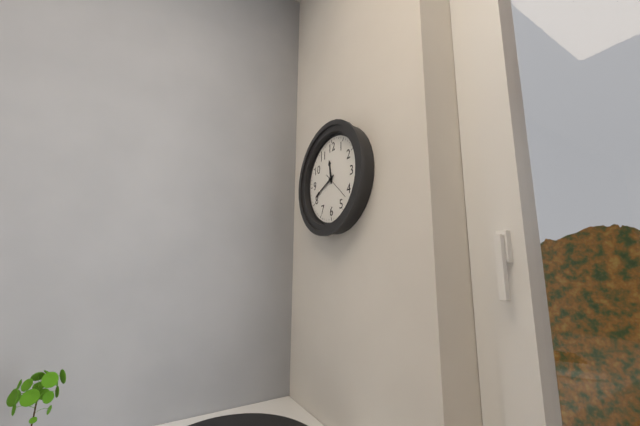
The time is 11:41
